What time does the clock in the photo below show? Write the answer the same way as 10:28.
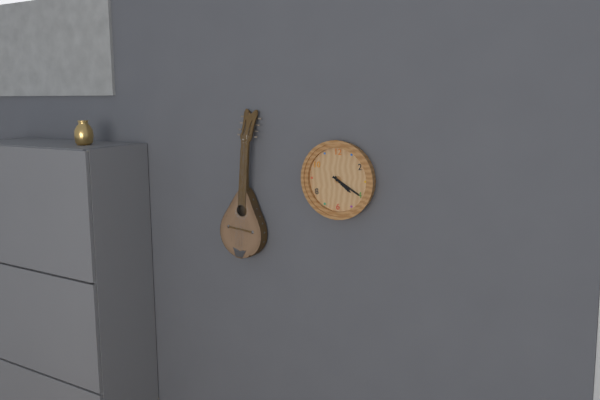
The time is 4:20
